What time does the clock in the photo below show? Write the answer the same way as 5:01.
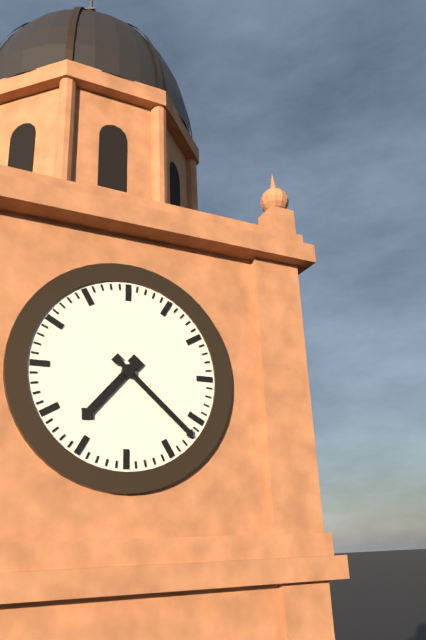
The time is 7:22
